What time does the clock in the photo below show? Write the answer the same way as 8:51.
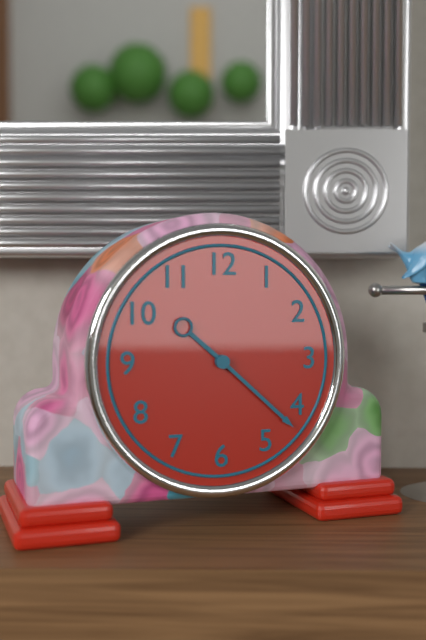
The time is 10:22
